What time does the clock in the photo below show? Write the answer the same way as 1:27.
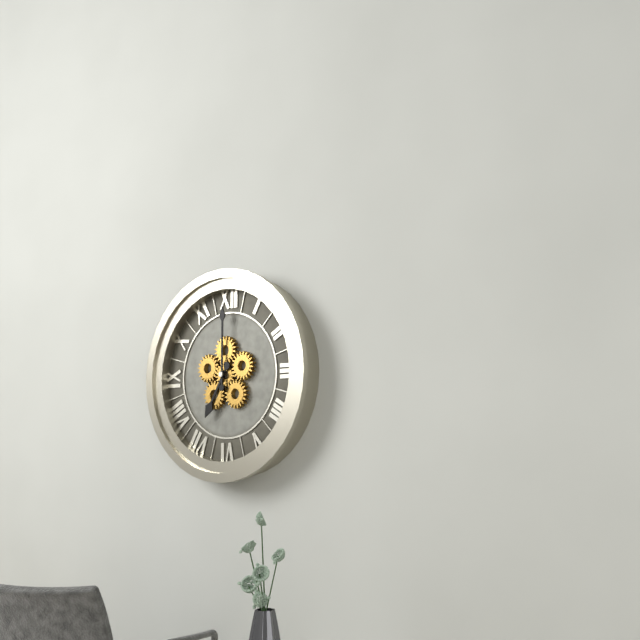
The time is 7:00
